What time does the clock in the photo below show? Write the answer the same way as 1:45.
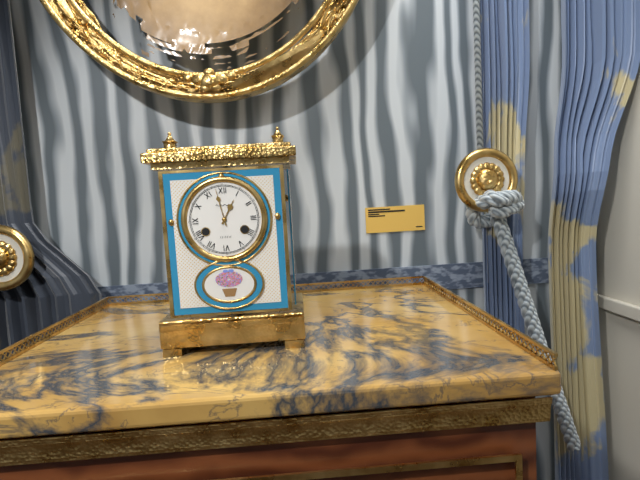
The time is 12:58
